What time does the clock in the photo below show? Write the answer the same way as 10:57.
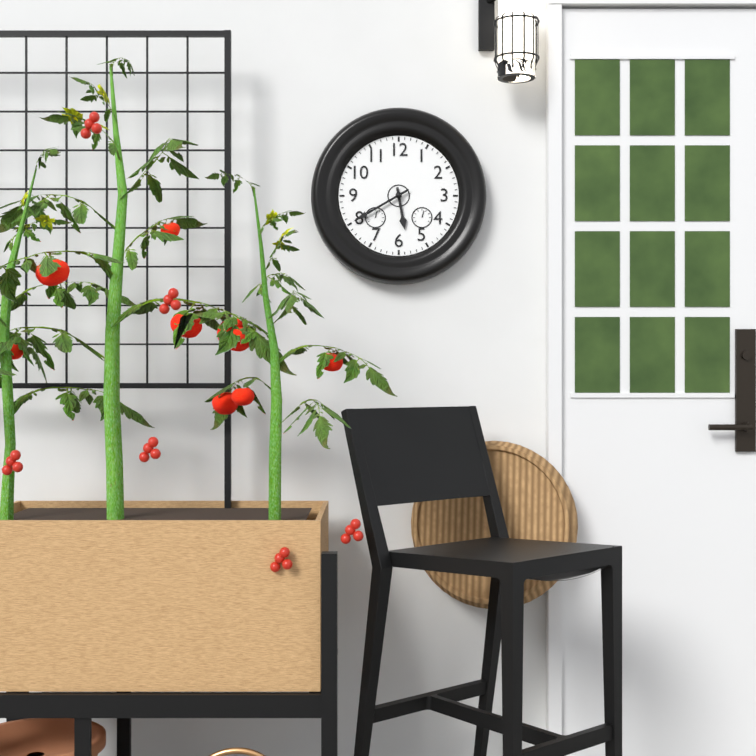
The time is 5:40
